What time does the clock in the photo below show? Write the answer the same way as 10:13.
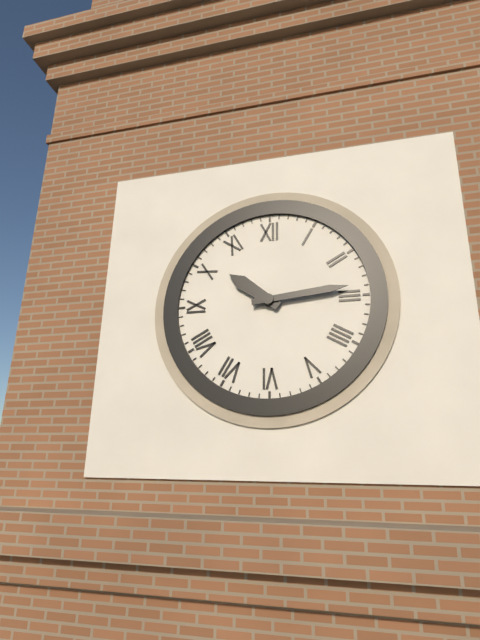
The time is 10:14
